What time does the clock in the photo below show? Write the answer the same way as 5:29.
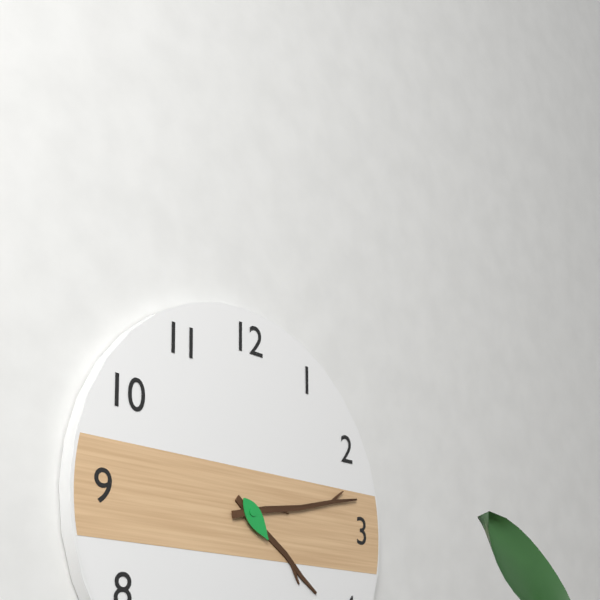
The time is 4:13
